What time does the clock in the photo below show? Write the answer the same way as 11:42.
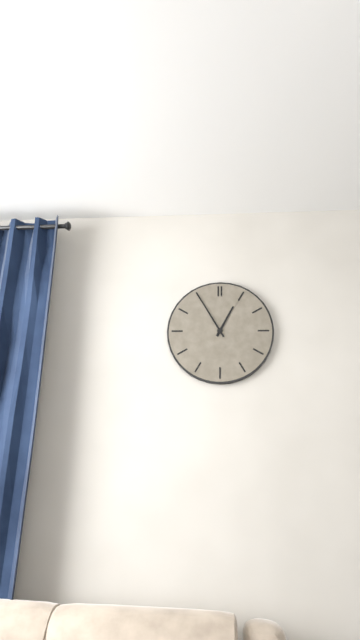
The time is 12:55
